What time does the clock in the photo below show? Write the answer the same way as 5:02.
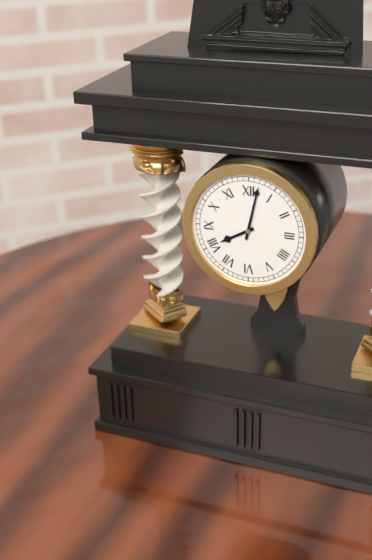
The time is 8:02
